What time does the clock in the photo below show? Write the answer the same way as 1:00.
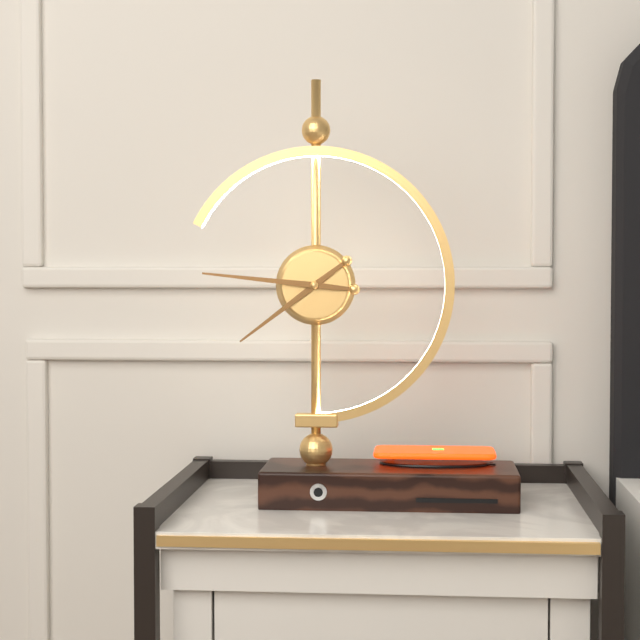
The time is 7:46
